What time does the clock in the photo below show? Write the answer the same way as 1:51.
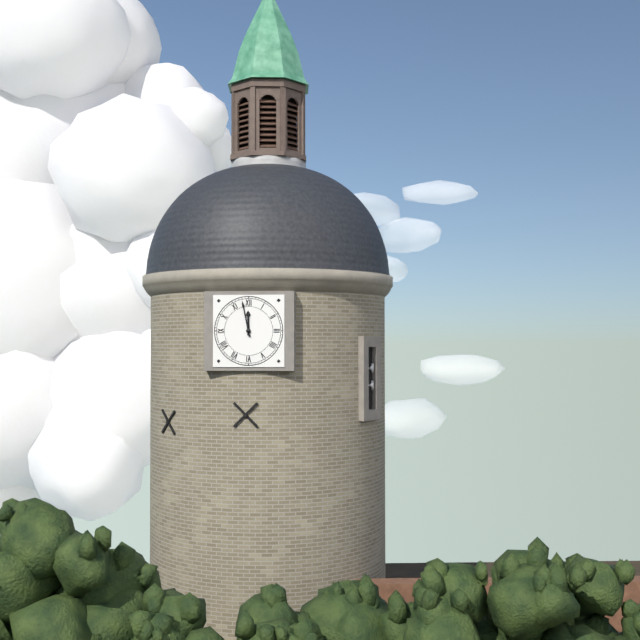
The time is 11:58
